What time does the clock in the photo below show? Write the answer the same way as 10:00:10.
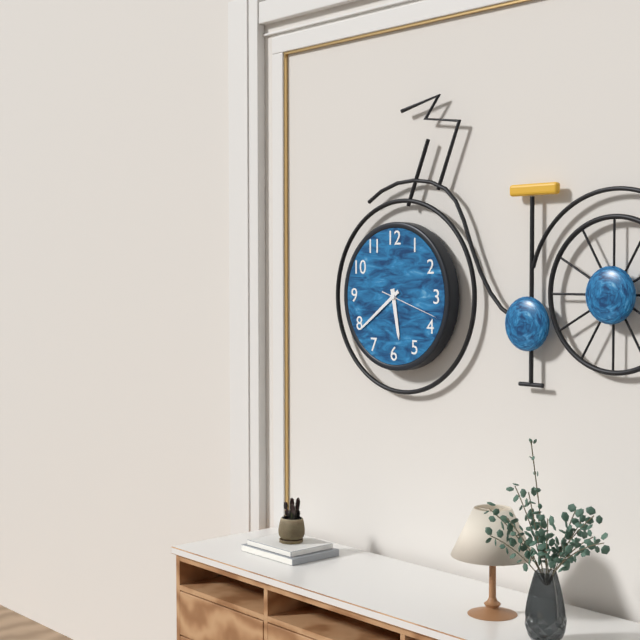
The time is 5:39:18
